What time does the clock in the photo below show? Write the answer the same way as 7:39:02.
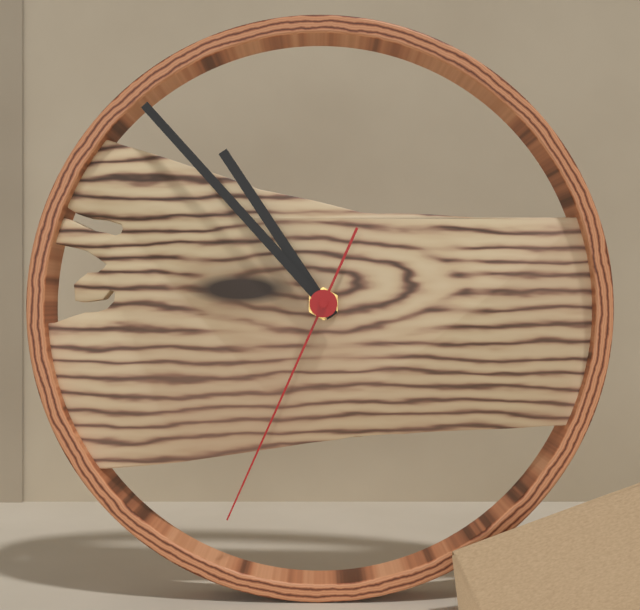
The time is 10:53:34
